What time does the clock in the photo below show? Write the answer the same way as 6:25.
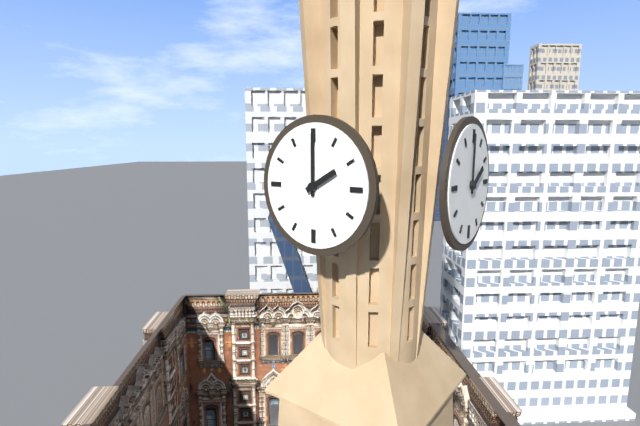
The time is 2:00
